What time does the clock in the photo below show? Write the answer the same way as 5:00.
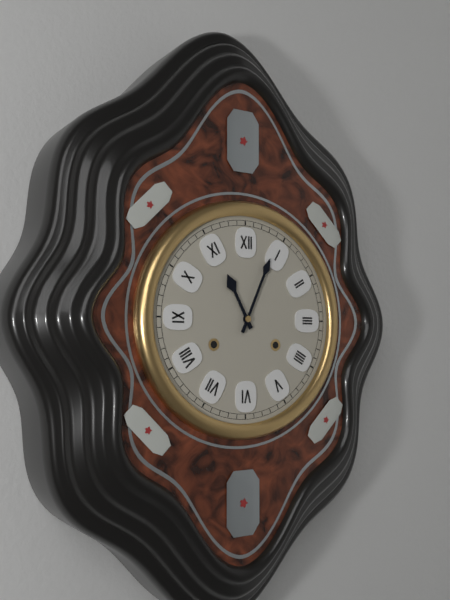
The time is 11:04
